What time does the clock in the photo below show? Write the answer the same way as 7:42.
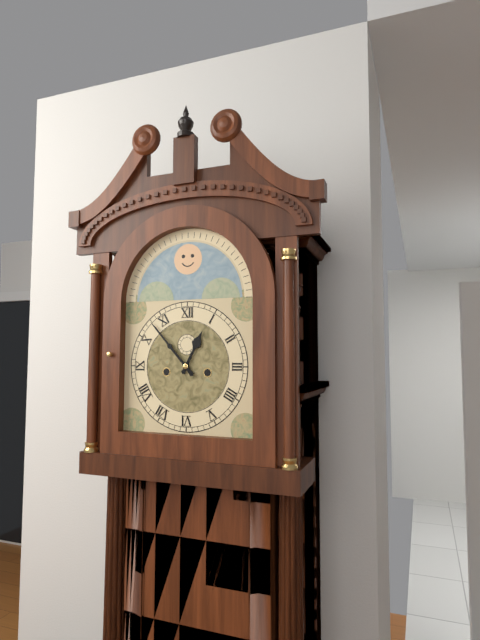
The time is 12:53
